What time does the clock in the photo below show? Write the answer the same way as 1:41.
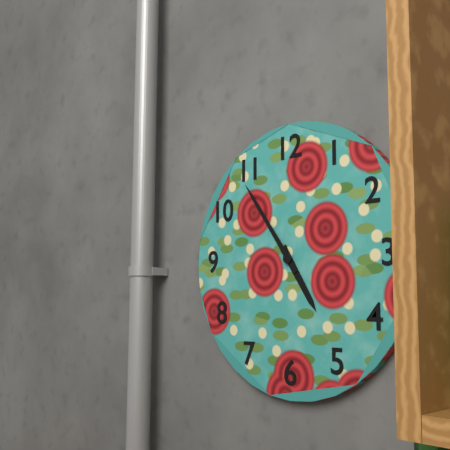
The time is 4:54
